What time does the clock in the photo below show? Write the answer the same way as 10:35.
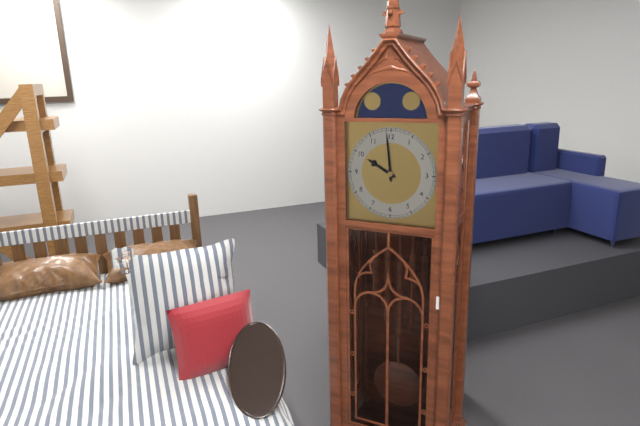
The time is 9:59
